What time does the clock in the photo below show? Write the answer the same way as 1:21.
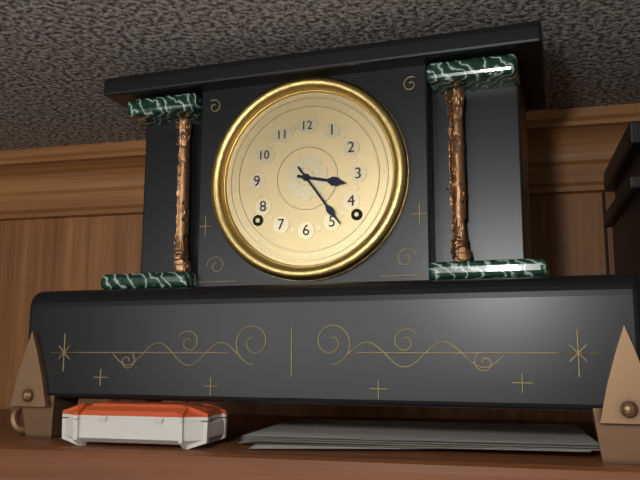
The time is 3:24
